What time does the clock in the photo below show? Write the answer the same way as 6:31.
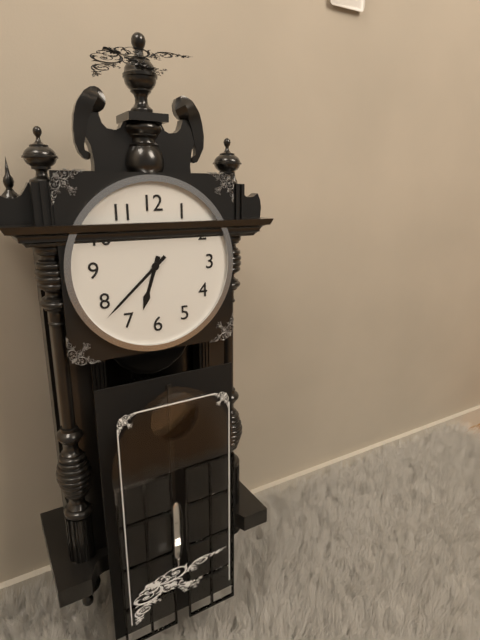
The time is 6:38
